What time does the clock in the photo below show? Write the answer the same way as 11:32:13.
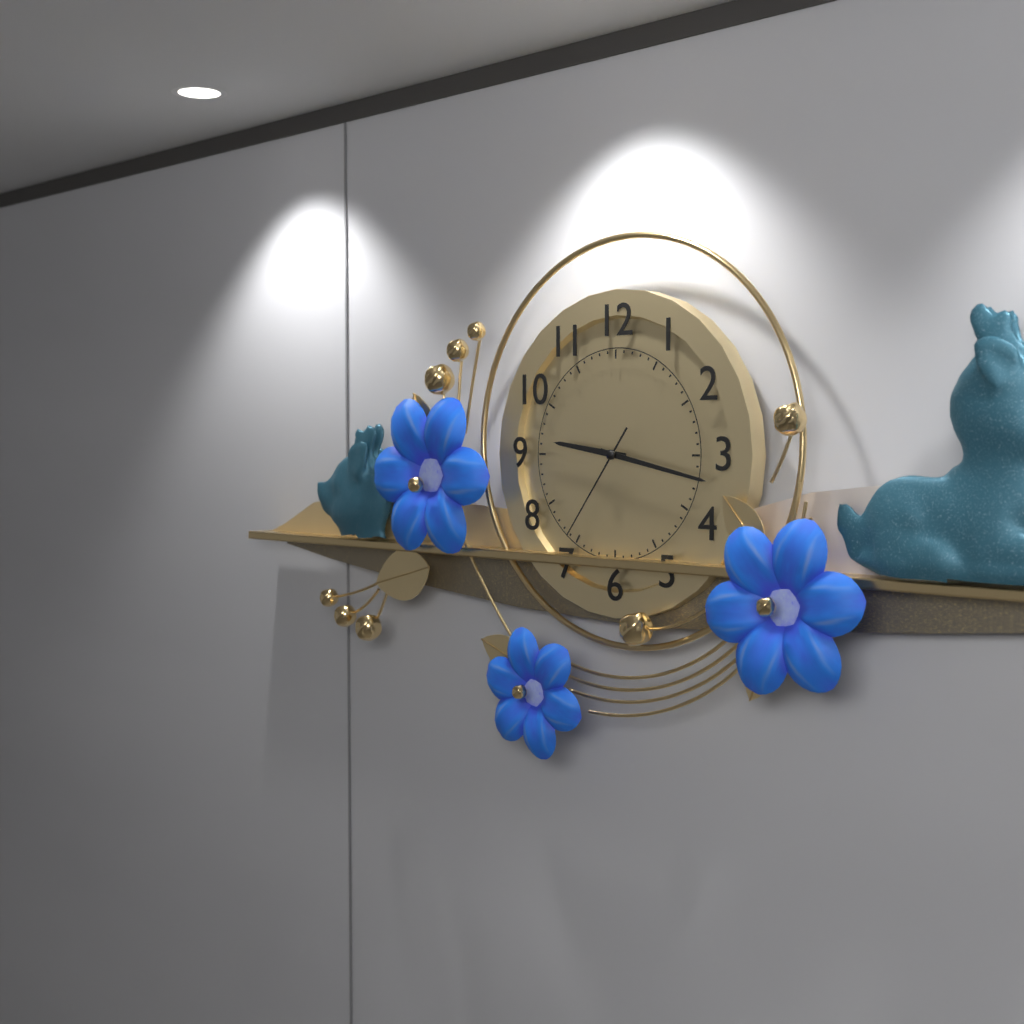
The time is 9:17:36
